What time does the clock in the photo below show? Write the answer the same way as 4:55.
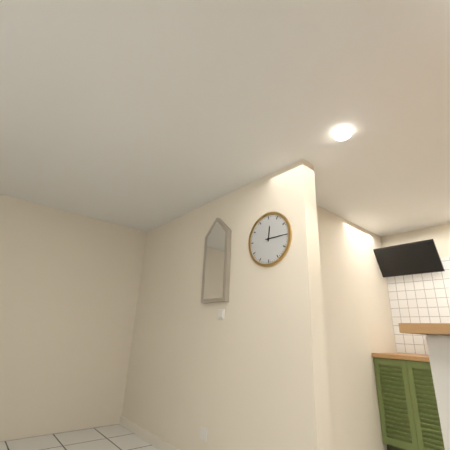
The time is 12:15
